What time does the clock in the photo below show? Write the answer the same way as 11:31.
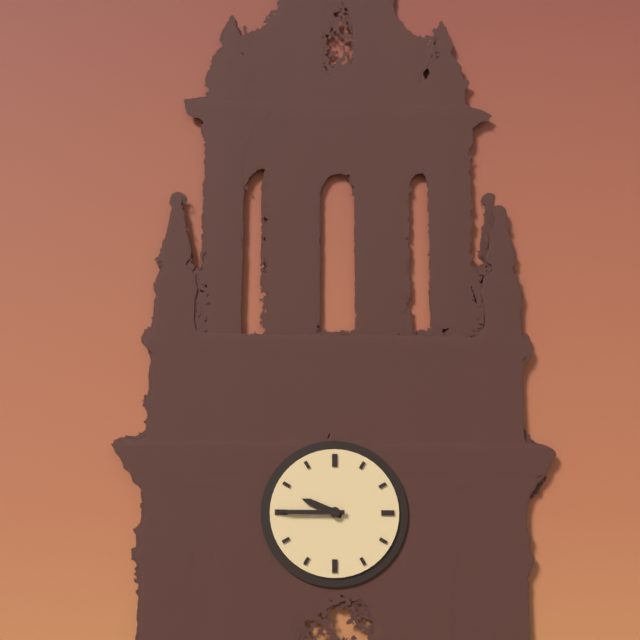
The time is 9:45
